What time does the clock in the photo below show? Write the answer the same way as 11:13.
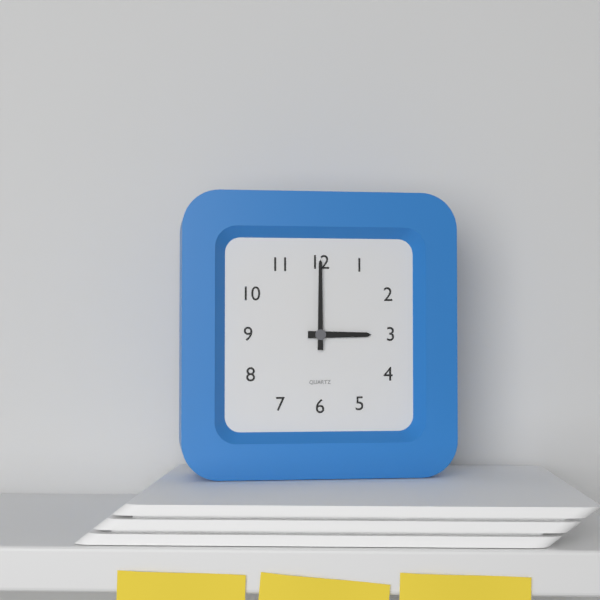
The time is 3:00
